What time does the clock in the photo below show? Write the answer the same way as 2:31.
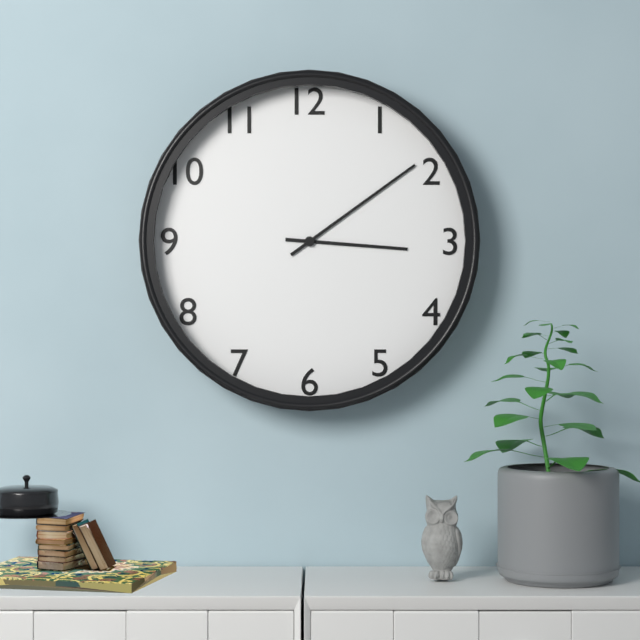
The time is 3:09
